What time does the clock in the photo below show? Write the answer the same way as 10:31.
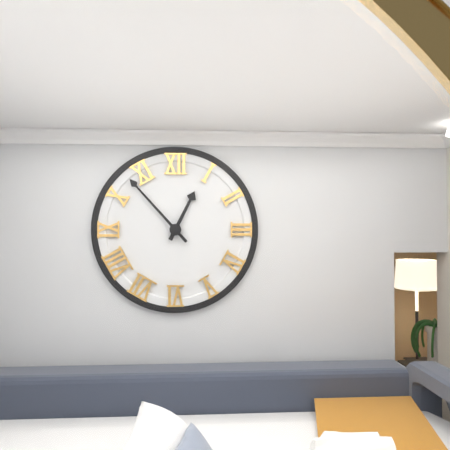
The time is 12:53
